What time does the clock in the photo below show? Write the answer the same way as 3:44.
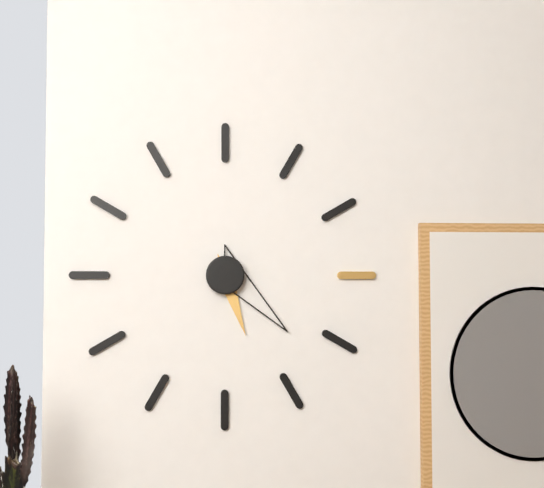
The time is 5:22
